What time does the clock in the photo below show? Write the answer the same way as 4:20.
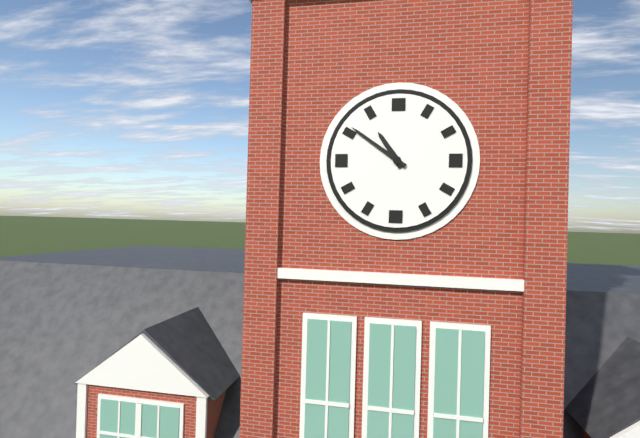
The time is 10:51
